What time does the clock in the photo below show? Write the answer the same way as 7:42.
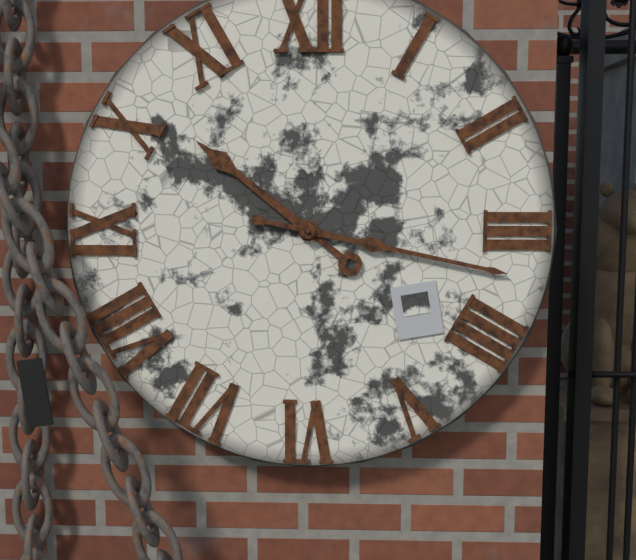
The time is 10:17
